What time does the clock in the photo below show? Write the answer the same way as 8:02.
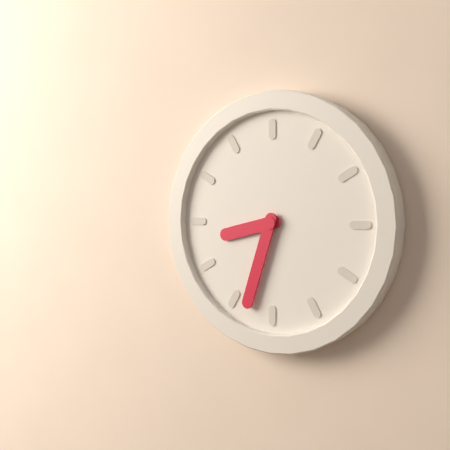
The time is 8:33
